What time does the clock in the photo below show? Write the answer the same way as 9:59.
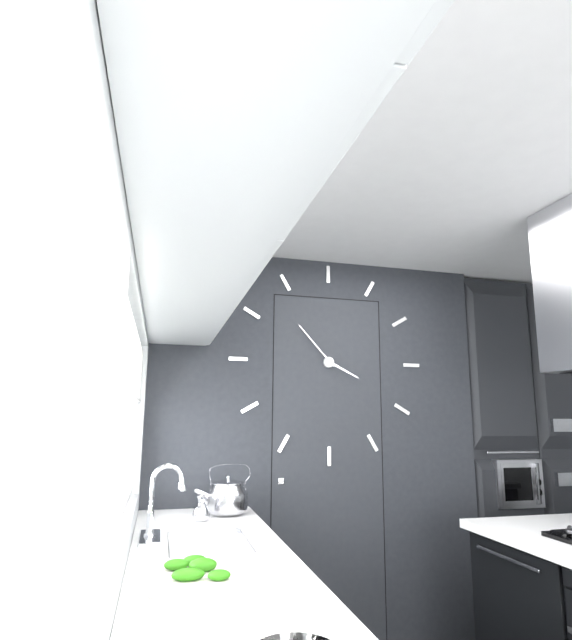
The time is 3:53
